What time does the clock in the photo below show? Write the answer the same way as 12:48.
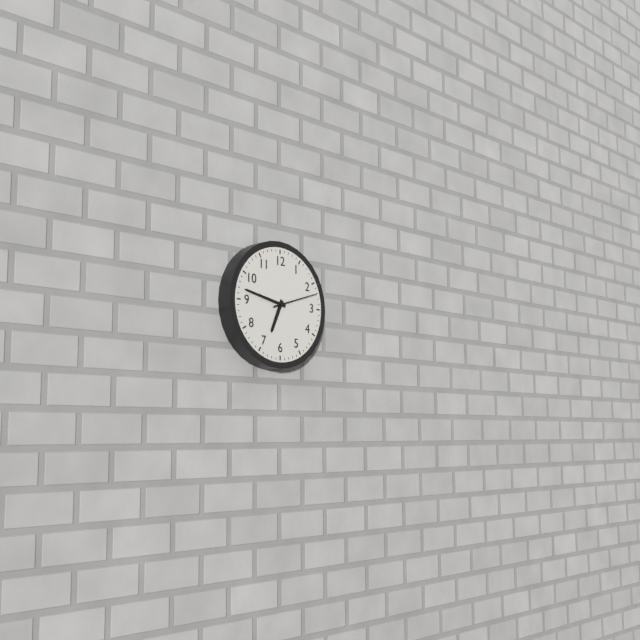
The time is 6:47
